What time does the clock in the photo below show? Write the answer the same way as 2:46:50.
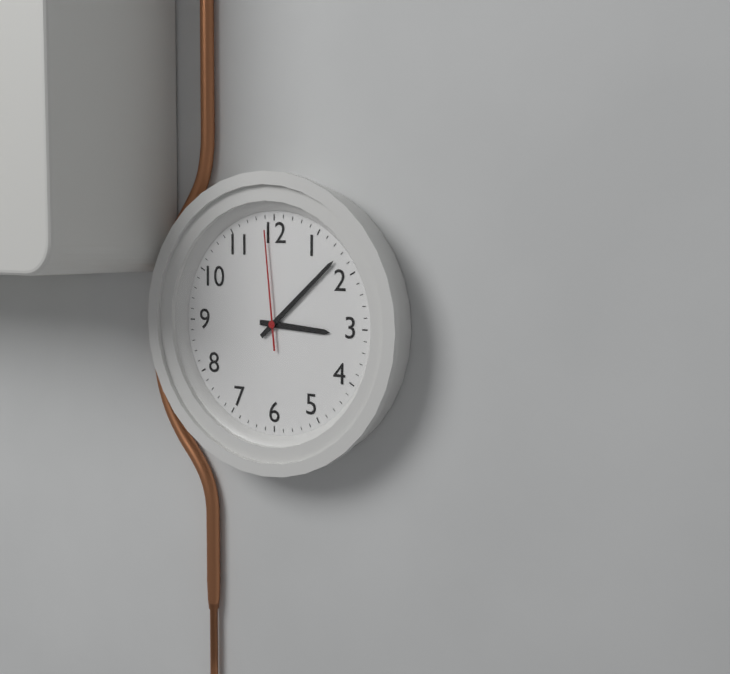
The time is 3:08:59
